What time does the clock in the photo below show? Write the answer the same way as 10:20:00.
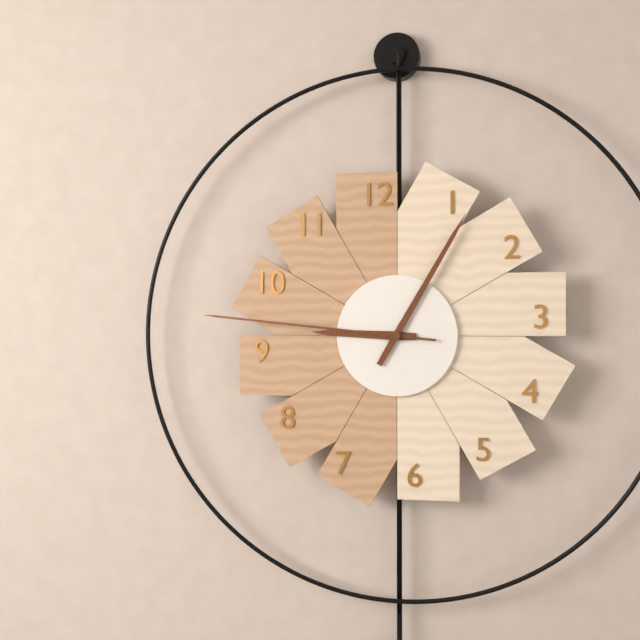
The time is 9:05:46
